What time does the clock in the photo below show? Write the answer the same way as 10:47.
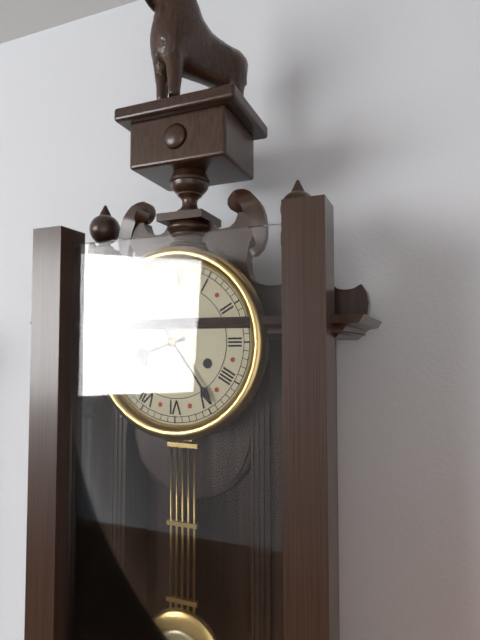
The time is 8:24
